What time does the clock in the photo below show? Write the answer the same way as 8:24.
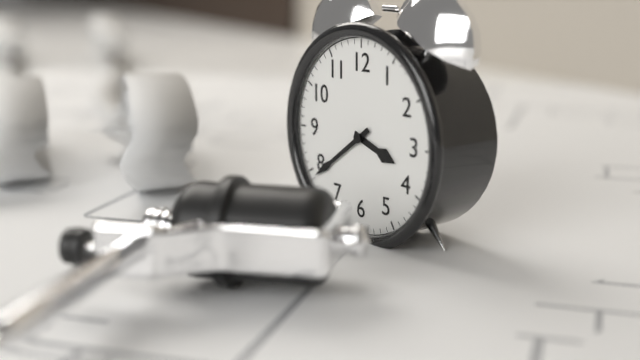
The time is 3:39
